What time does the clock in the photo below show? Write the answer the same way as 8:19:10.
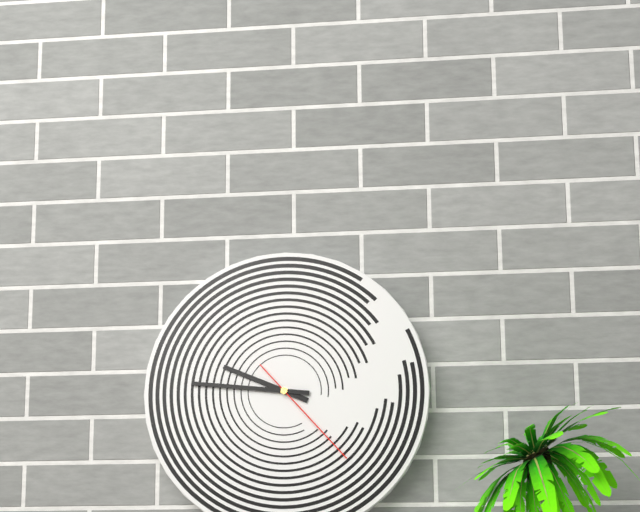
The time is 9:46:23
